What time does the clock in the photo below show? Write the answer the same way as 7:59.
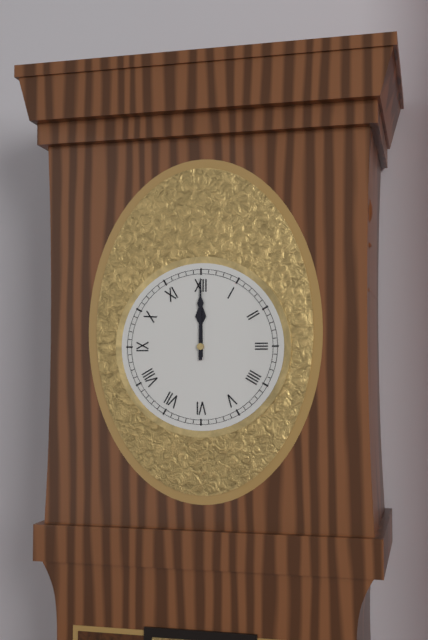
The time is 12:00
